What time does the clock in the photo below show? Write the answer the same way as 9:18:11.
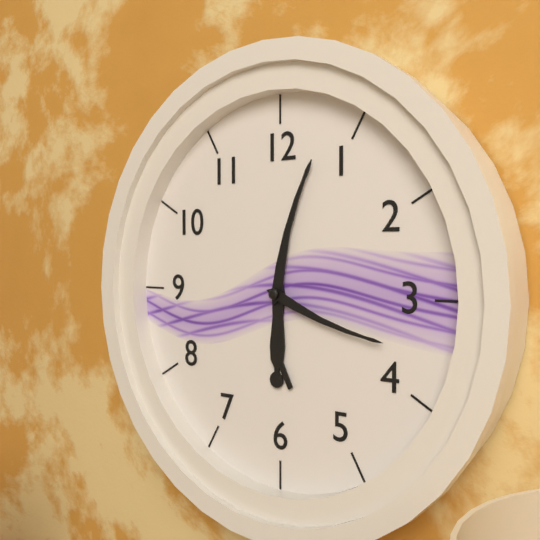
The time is 6:03:18
